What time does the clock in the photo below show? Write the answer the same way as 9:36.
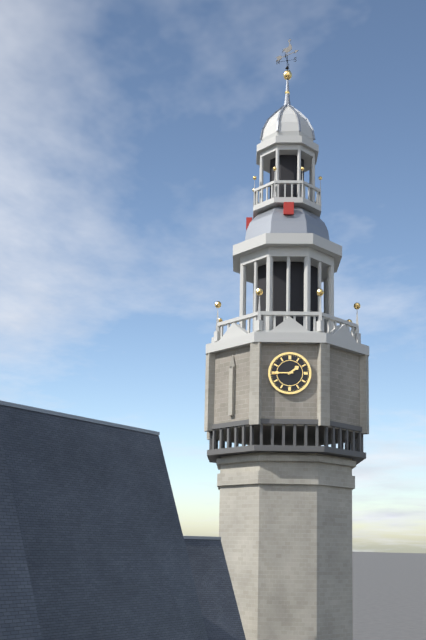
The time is 1:45
